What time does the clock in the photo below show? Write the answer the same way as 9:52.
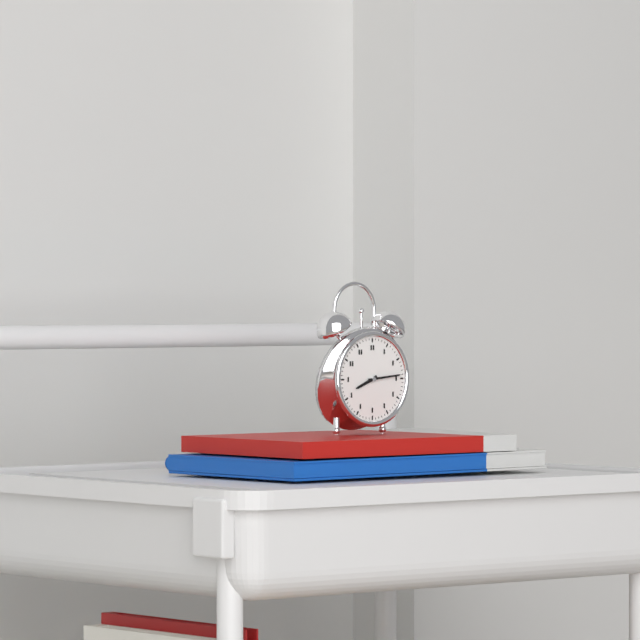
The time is 8:14
